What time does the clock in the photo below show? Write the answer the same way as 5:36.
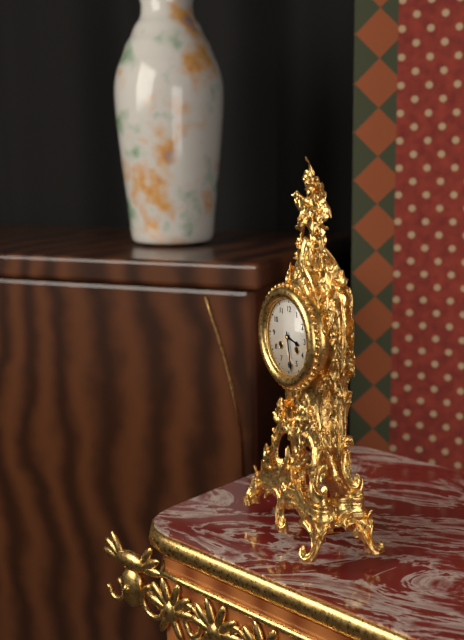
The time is 3:28
